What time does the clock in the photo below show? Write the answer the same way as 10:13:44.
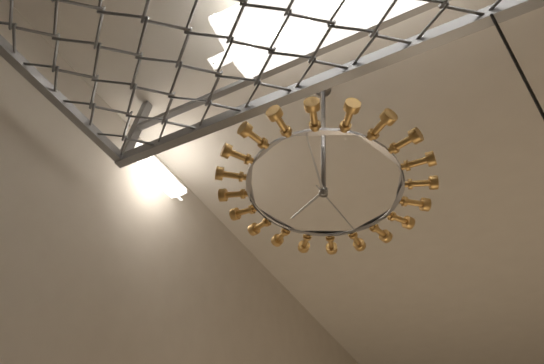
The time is 8:02:29
